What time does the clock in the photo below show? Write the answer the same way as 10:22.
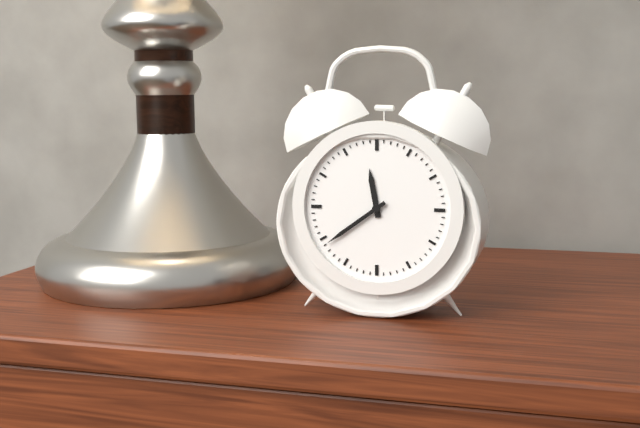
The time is 11:39
